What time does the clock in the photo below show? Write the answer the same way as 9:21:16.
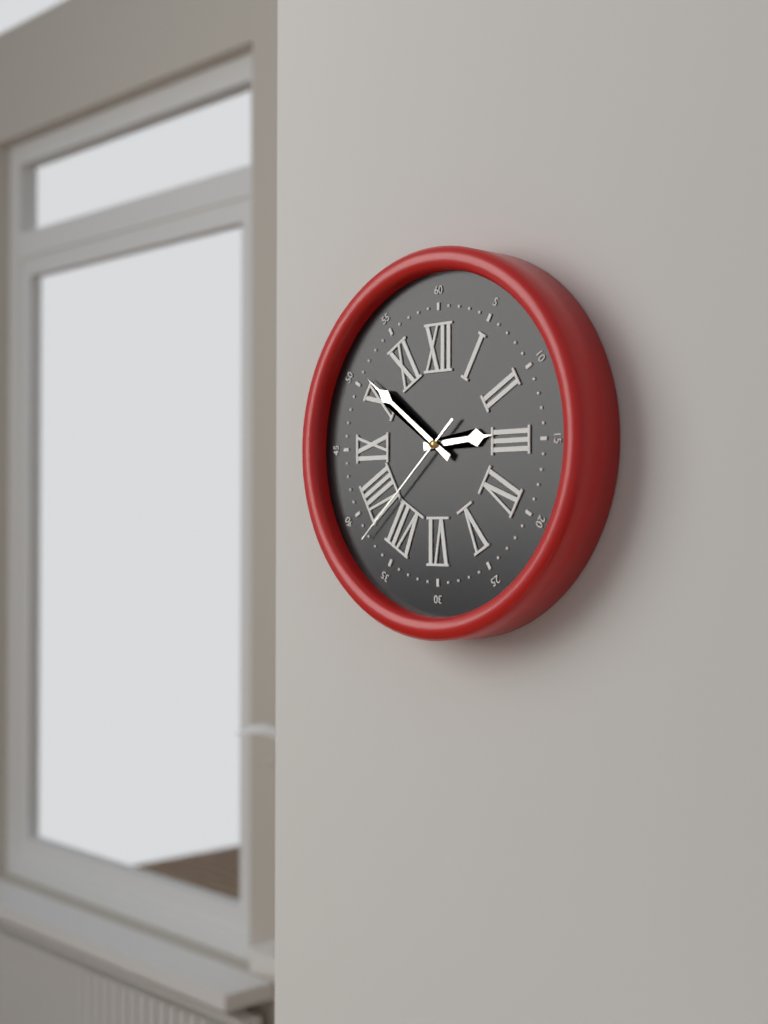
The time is 2:51:38
